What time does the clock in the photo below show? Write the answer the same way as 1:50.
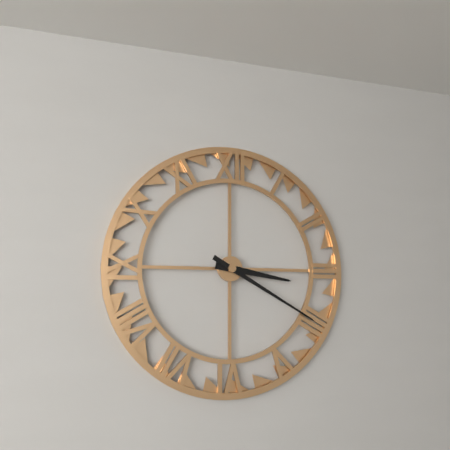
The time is 3:20
